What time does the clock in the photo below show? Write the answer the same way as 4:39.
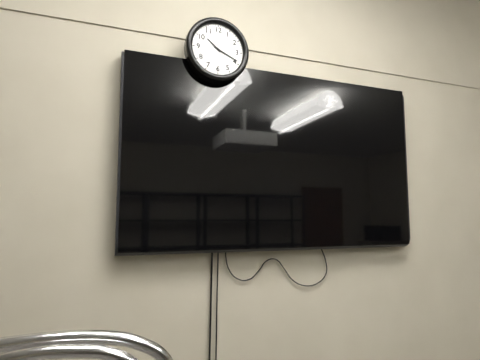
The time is 10:19
